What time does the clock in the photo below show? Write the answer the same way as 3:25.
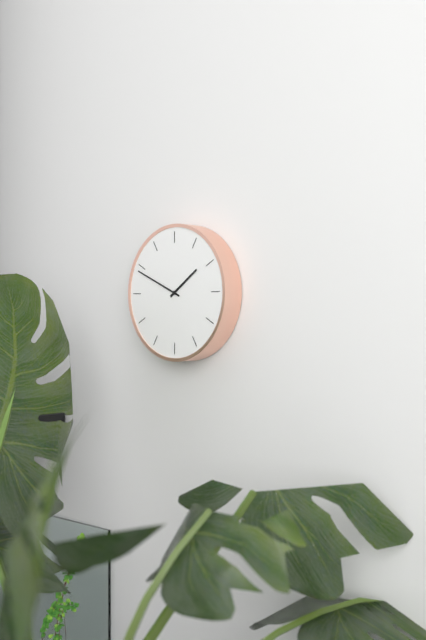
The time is 1:49
